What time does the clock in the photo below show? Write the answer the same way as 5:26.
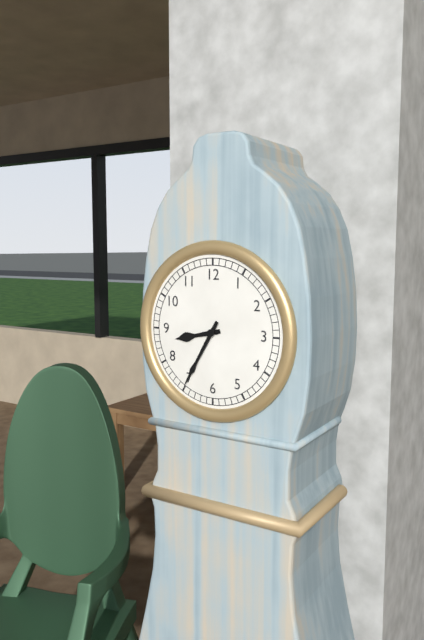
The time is 8:35
